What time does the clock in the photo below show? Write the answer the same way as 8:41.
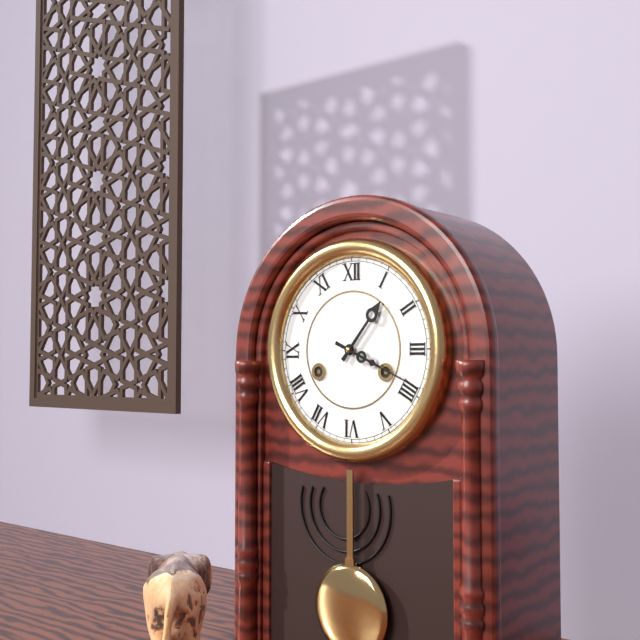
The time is 1:19
